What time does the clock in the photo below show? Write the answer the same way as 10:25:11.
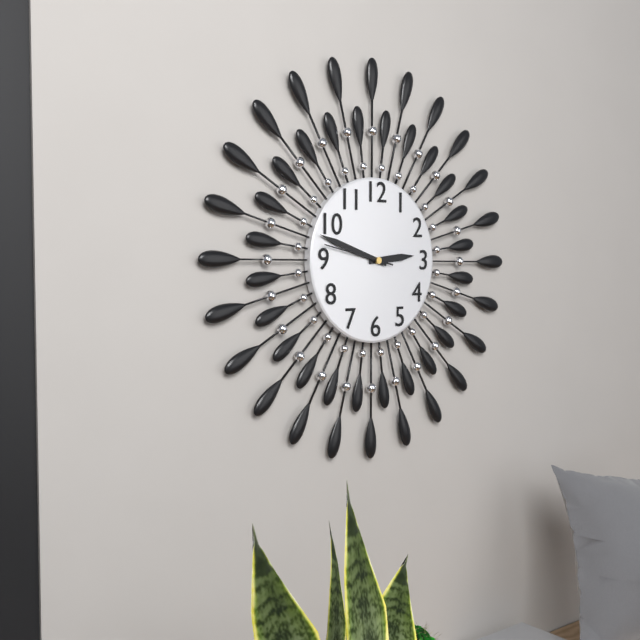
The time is 2:48:47
